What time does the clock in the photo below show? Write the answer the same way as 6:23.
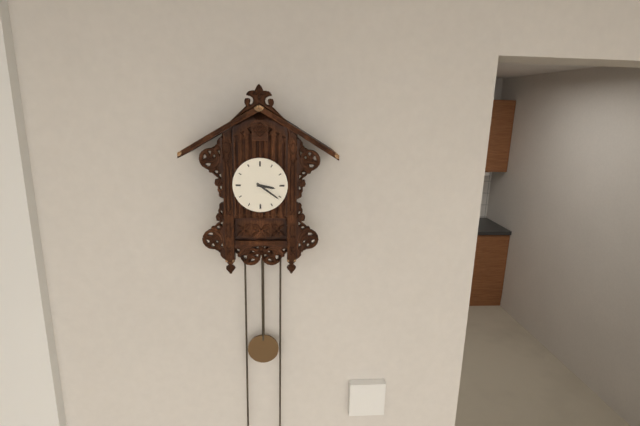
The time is 3:21
